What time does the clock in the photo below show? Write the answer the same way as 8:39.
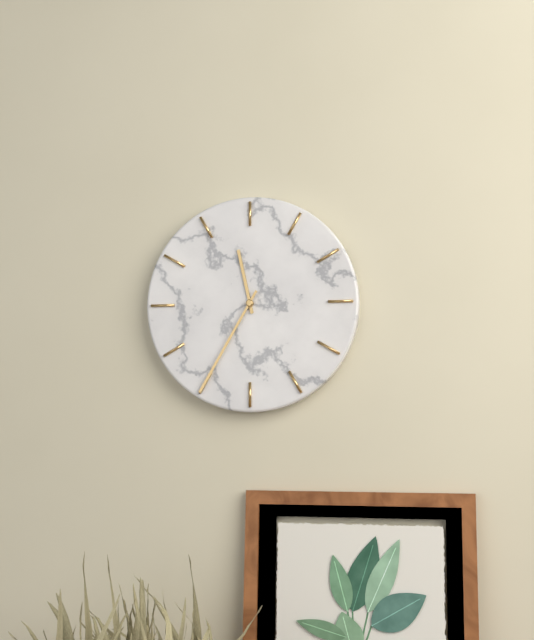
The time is 11:35
